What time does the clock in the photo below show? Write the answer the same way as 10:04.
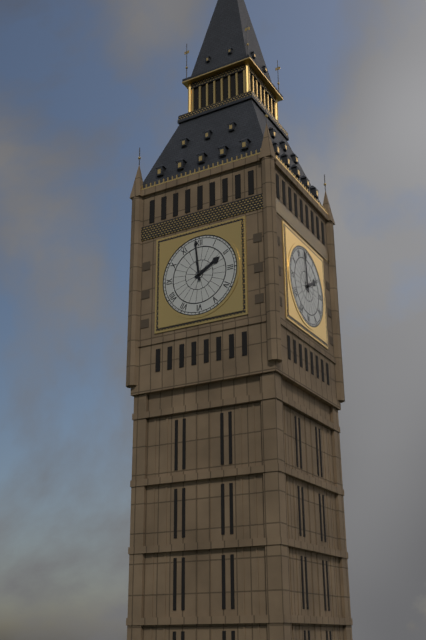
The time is 1:59
